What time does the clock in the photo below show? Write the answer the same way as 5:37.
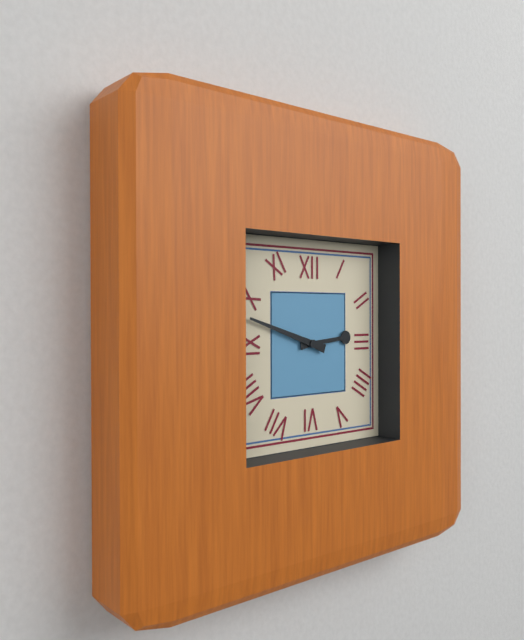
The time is 2:48
